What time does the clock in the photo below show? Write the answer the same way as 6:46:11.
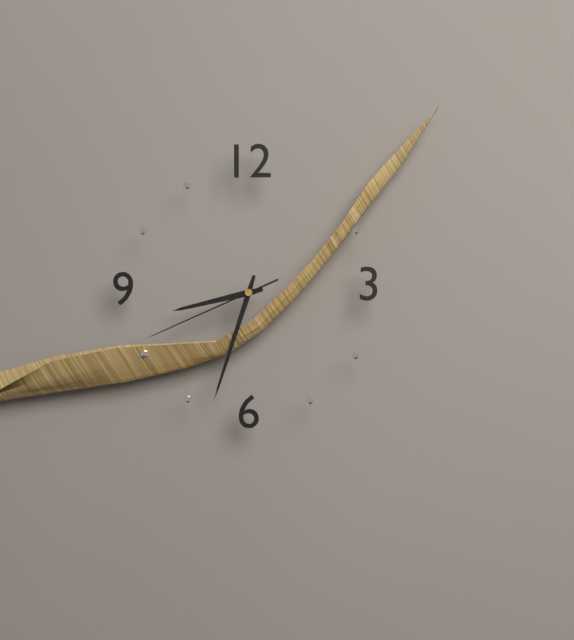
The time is 8:33:41
